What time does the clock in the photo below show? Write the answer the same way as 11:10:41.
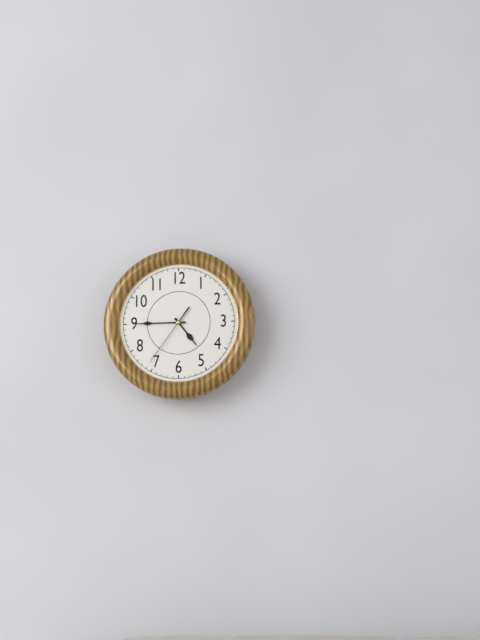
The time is 4:45:36
